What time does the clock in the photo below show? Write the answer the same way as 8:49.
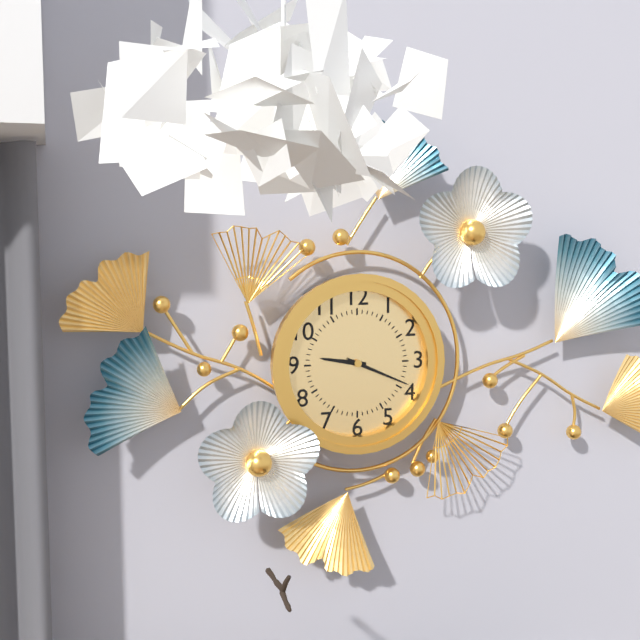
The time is 9:19
